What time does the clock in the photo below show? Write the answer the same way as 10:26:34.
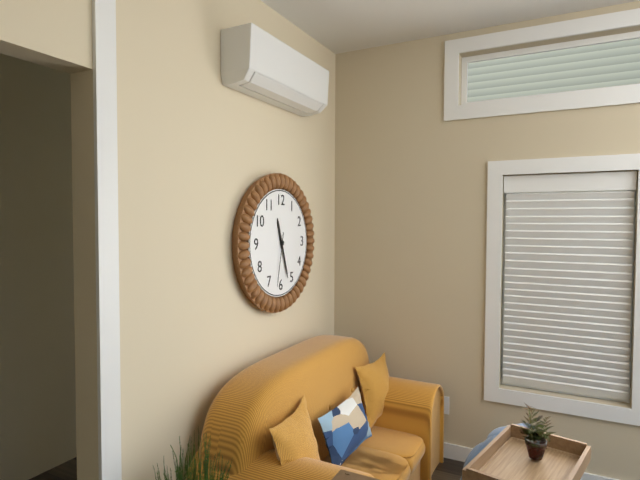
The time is 11:27:32
